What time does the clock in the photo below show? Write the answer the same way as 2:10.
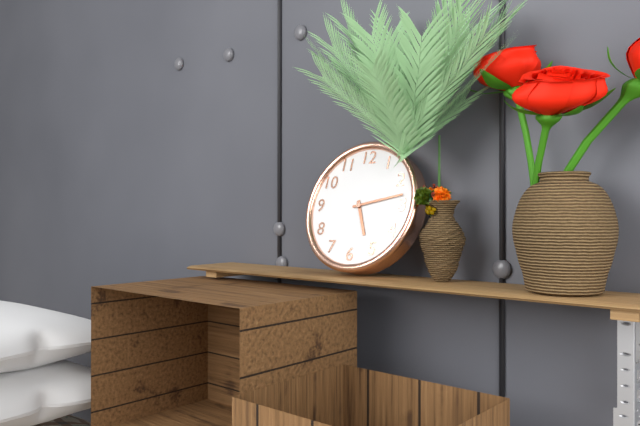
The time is 5:13
